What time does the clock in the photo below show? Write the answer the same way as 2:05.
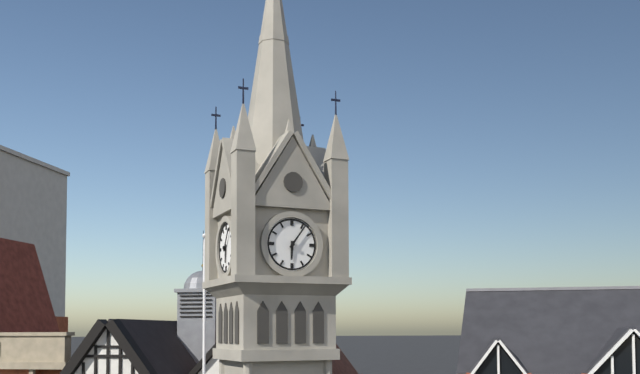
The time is 6:06
